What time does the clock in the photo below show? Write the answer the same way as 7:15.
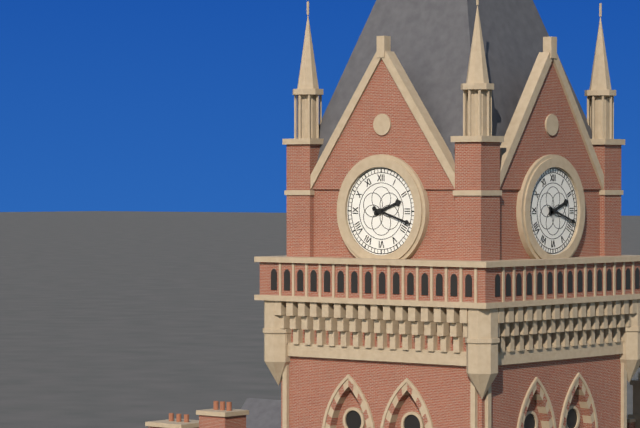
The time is 2:18
